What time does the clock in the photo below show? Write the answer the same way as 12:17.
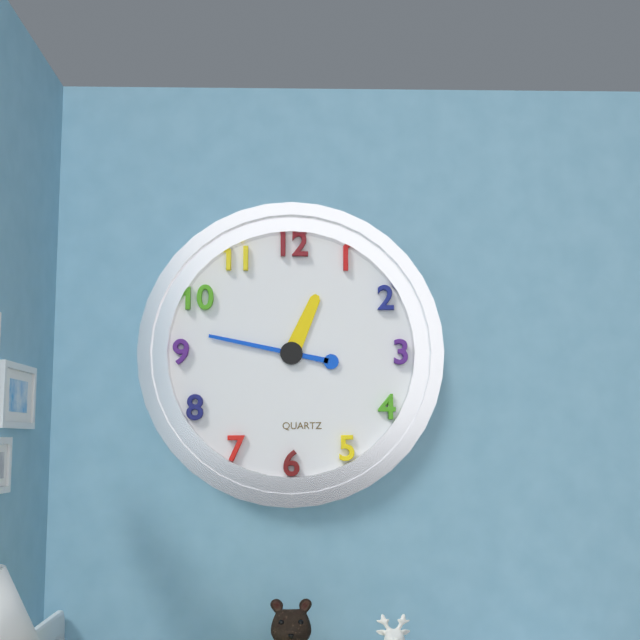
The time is 12:47
